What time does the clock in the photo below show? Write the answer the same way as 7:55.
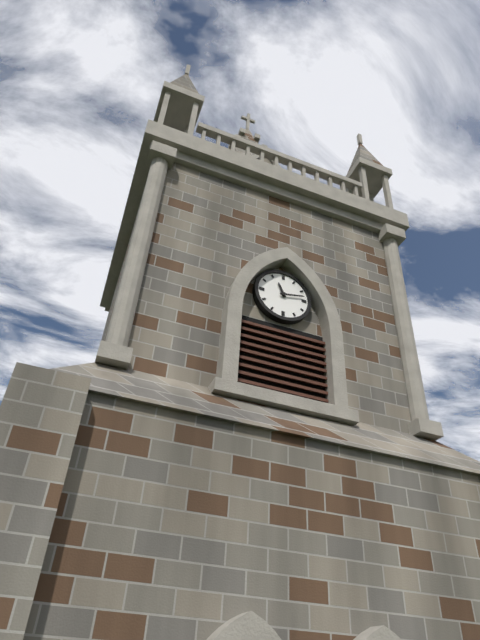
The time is 11:13
